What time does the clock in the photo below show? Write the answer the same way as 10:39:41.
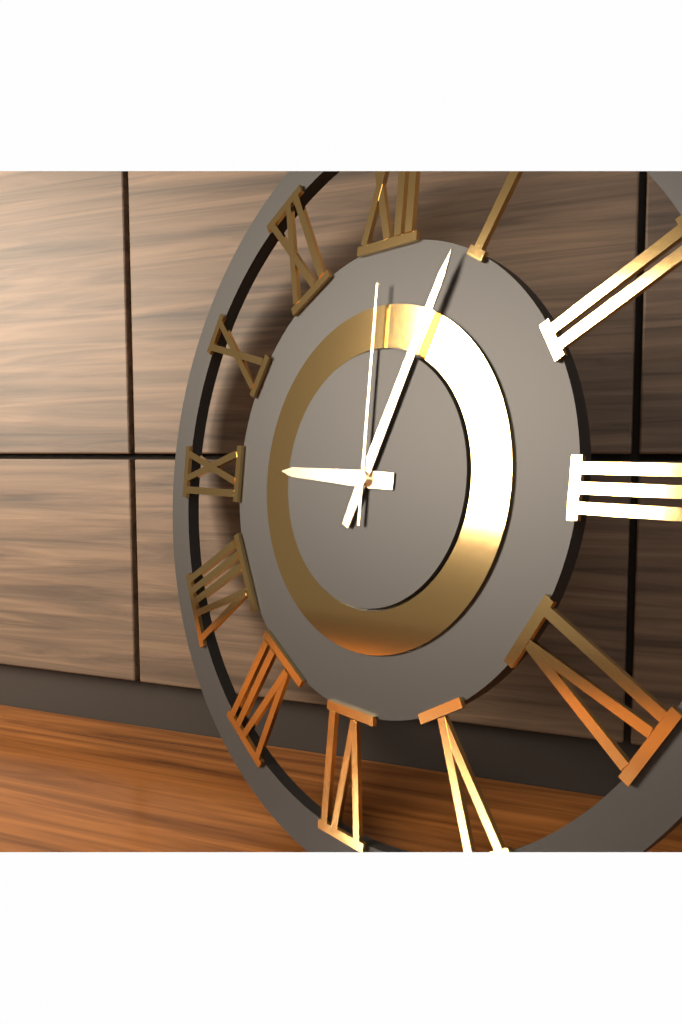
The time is 9:04:00
